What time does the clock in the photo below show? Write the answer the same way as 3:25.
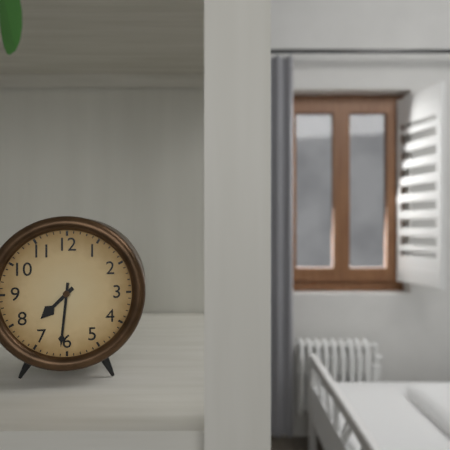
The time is 7:31
